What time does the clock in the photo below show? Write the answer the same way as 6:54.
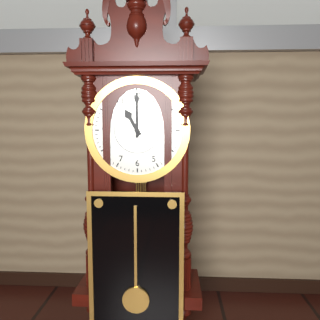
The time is 11:00
